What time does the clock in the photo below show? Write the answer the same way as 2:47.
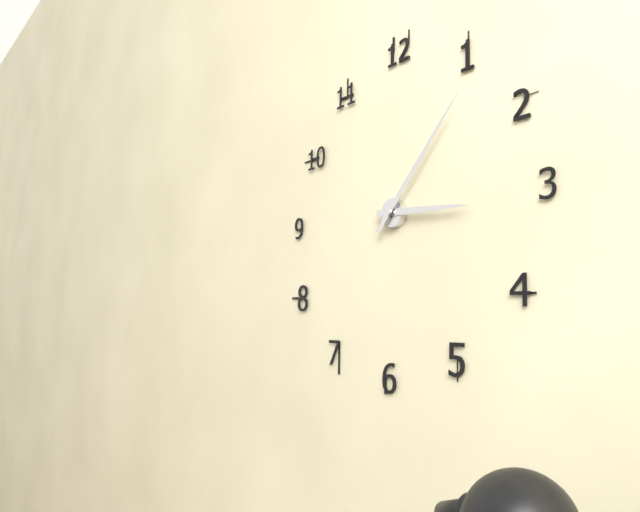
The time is 3:07
